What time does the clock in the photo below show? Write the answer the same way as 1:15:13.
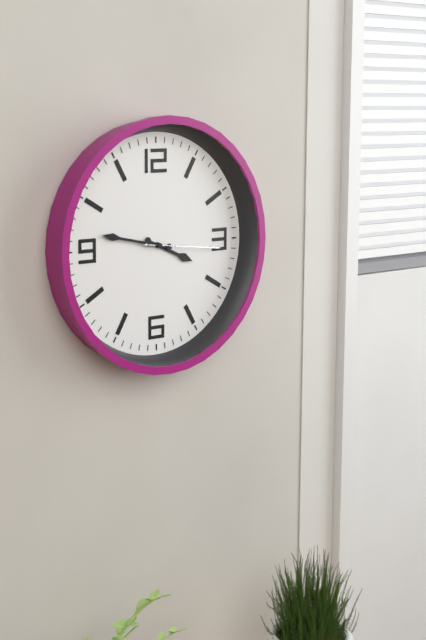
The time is 3:47:16
